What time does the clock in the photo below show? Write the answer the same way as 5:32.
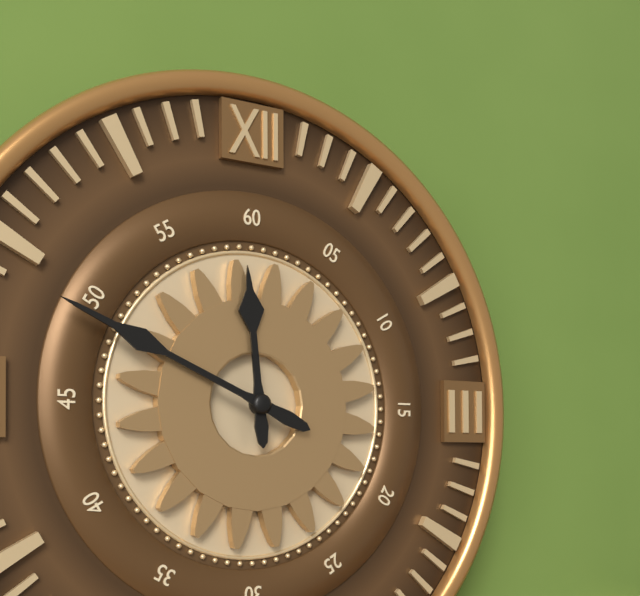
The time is 11:49
